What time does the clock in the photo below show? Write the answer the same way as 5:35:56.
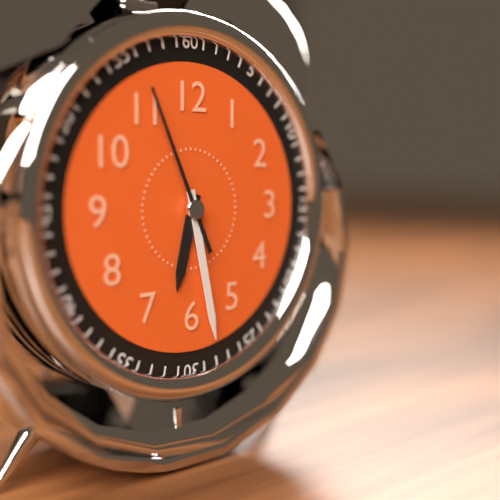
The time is 6:28:56
